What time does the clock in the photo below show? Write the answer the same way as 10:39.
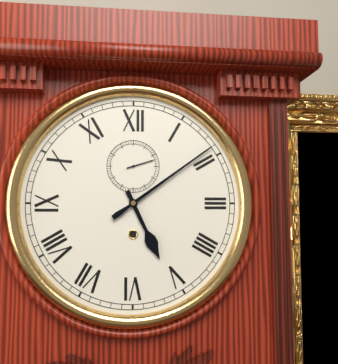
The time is 5:09
